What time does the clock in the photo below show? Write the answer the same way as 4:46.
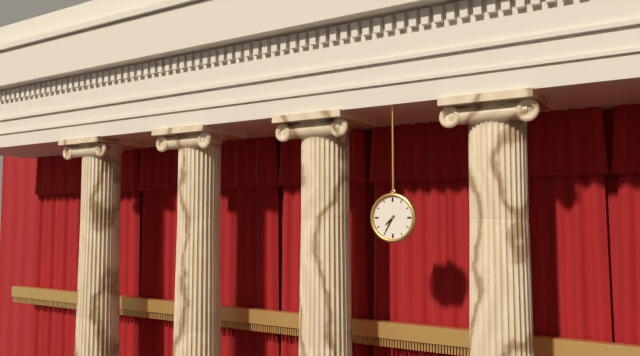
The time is 7:35
